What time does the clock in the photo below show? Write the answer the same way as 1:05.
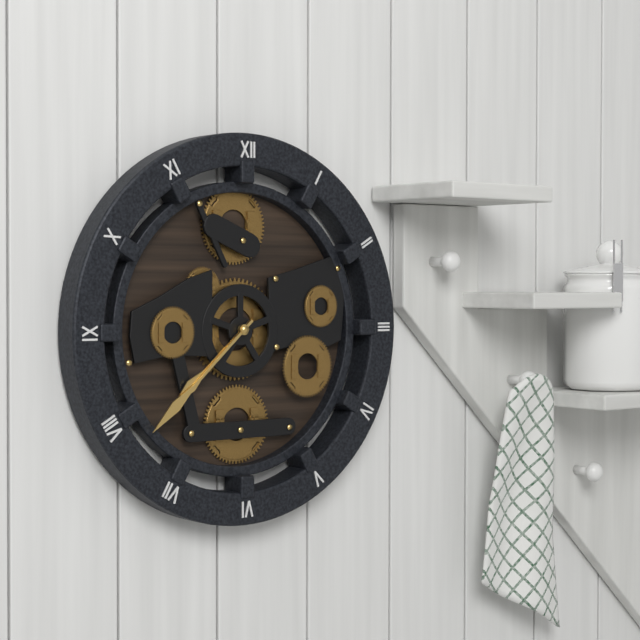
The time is 7:38
